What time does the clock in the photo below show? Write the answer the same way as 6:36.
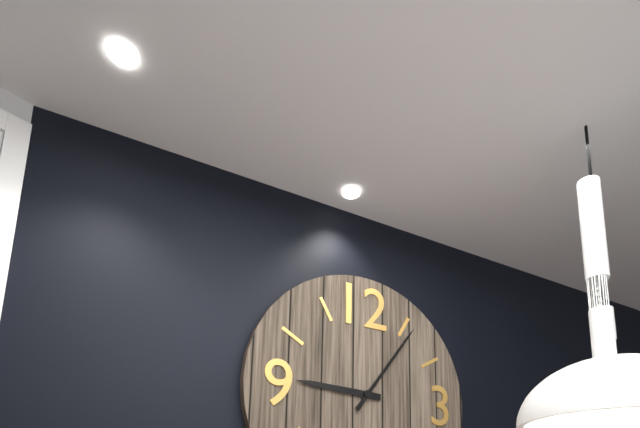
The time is 9:06
